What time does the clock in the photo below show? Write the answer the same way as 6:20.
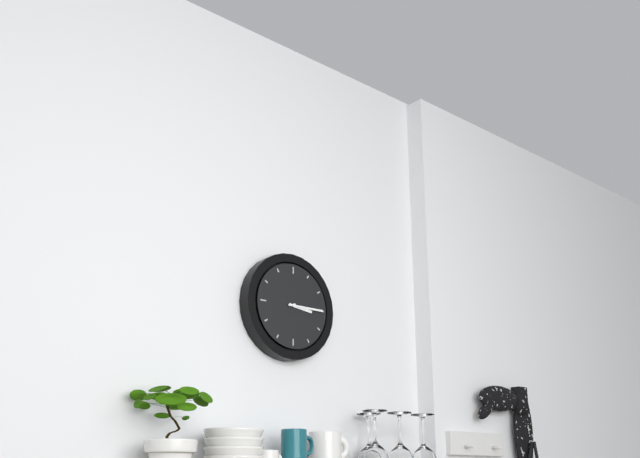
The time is 3:15
